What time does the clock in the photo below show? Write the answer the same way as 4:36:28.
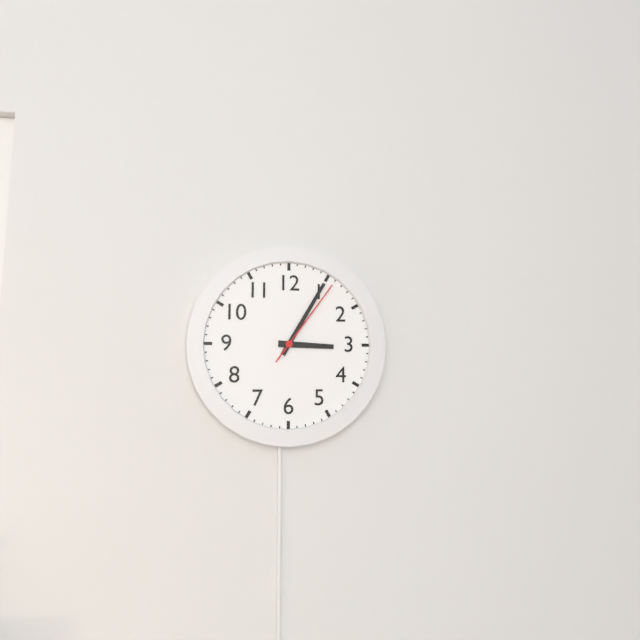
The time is 3:05:06
